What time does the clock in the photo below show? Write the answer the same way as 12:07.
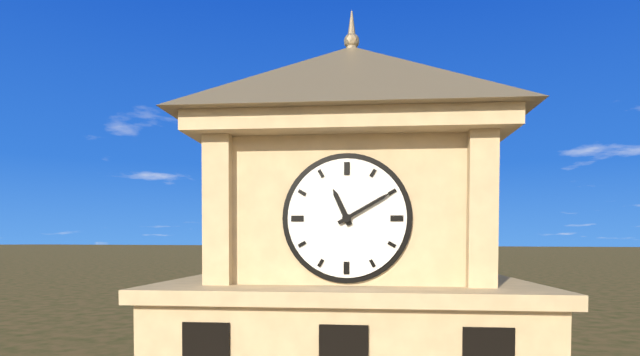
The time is 11:10
